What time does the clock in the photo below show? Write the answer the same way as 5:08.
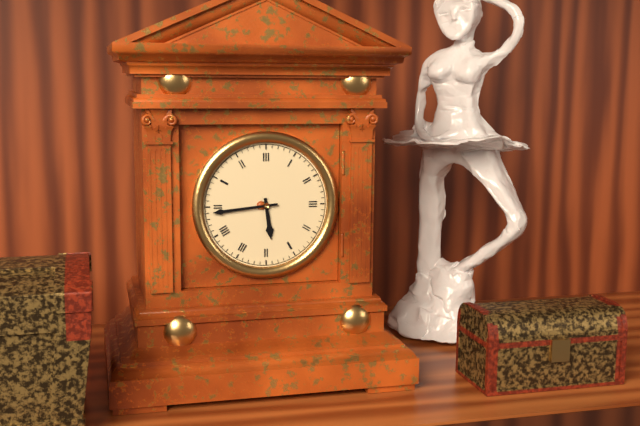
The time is 5:44
